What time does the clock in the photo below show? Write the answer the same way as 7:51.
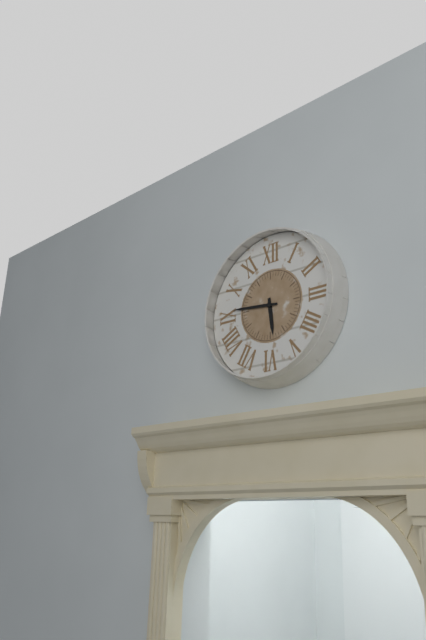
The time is 5:46
